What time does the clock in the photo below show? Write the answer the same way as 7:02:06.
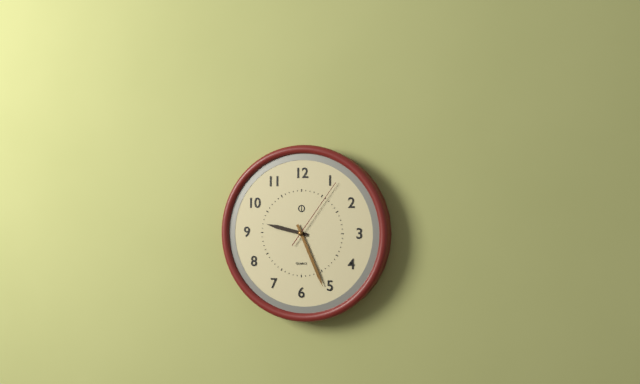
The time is 9:26:06
